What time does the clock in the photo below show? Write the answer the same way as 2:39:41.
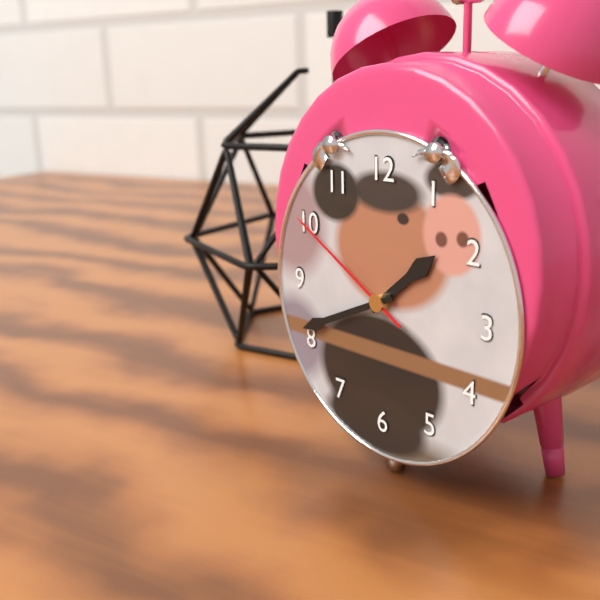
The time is 1:41:50
